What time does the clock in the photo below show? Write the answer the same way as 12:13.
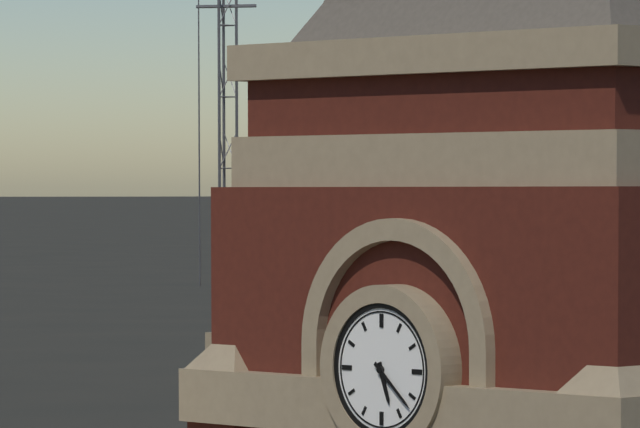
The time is 5:22
